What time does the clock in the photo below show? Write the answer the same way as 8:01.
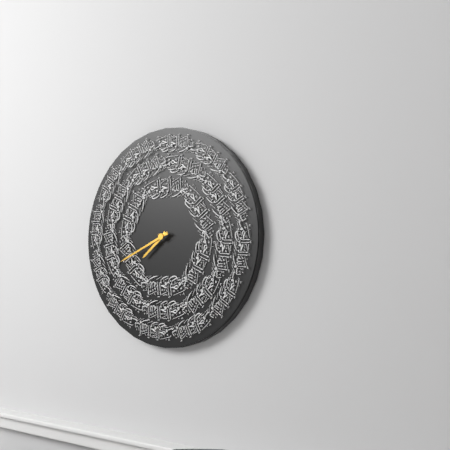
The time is 7:41
